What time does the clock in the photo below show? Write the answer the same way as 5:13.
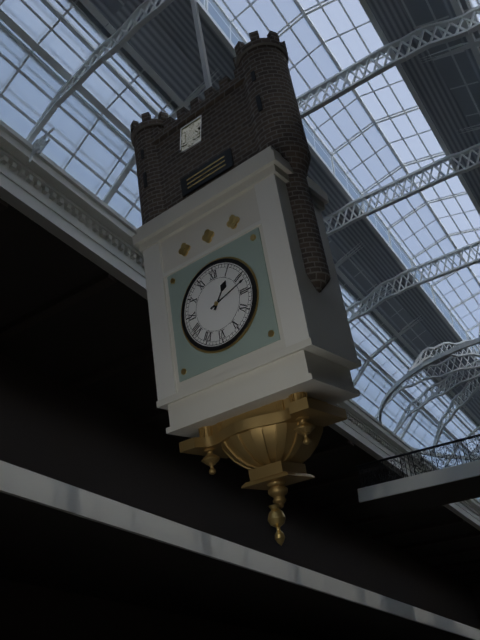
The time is 1:12
